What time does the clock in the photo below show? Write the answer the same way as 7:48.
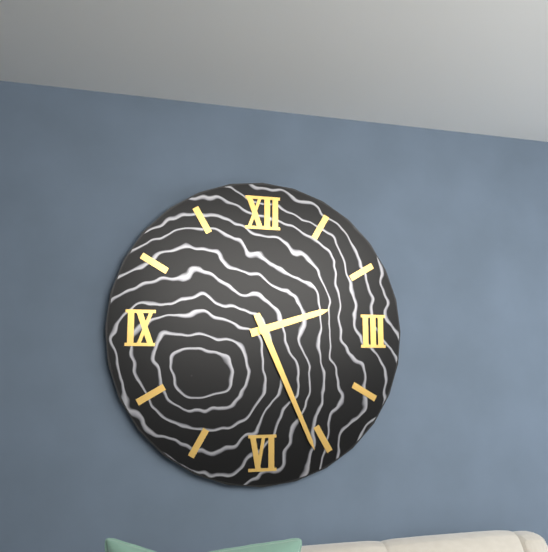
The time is 2:26
